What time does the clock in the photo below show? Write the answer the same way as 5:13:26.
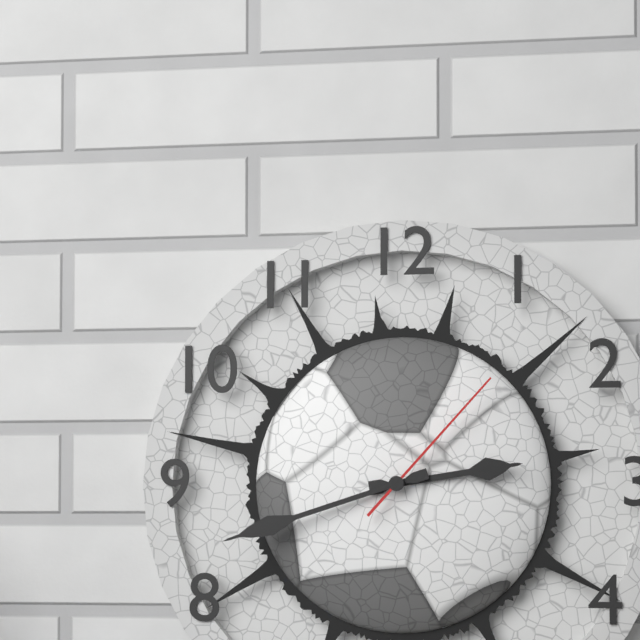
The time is 2:42:07
